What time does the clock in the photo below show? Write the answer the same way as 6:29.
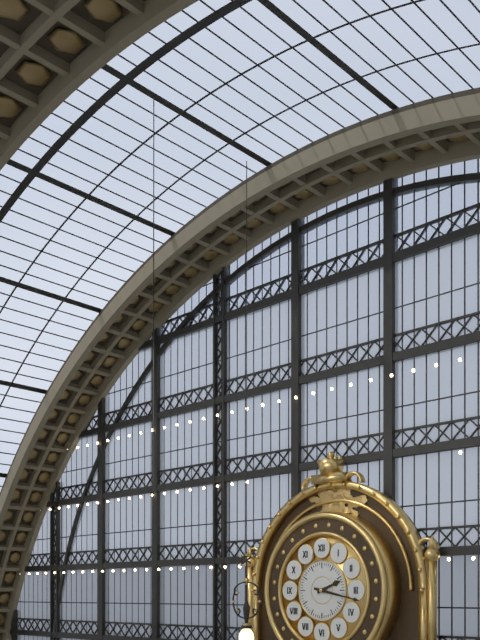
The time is 2:17
